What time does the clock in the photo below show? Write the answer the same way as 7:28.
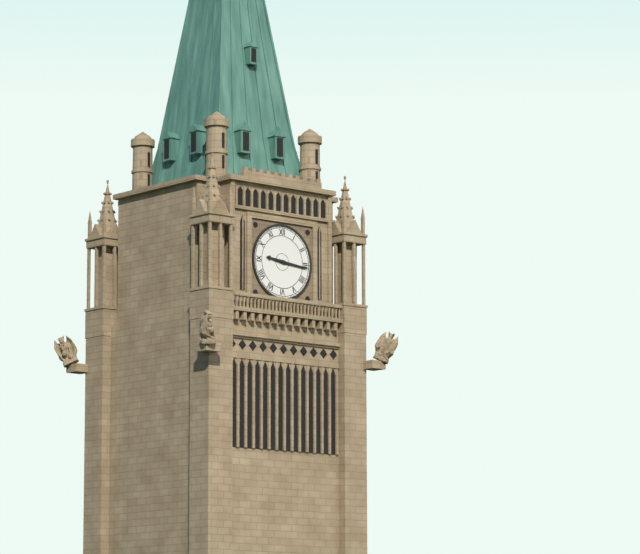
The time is 9:16
